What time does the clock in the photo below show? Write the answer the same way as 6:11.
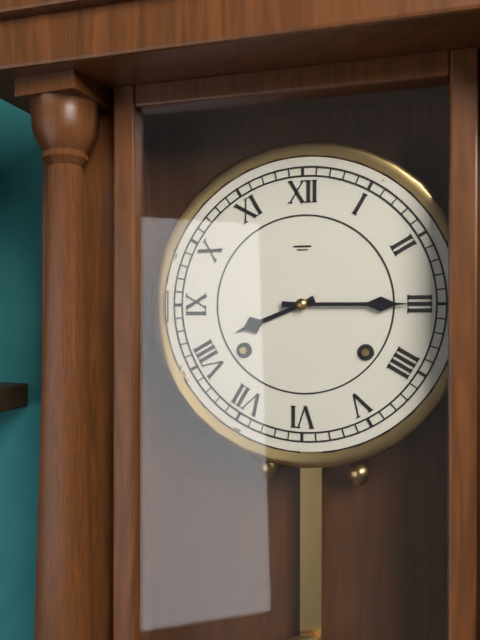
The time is 8:15
